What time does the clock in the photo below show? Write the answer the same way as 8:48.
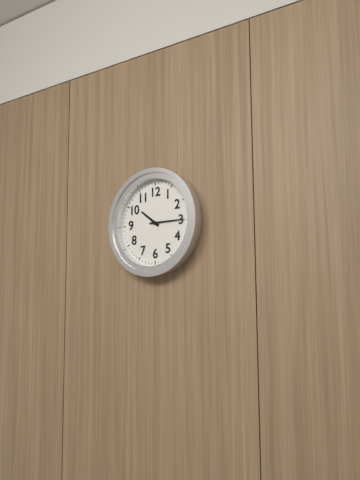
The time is 10:15
